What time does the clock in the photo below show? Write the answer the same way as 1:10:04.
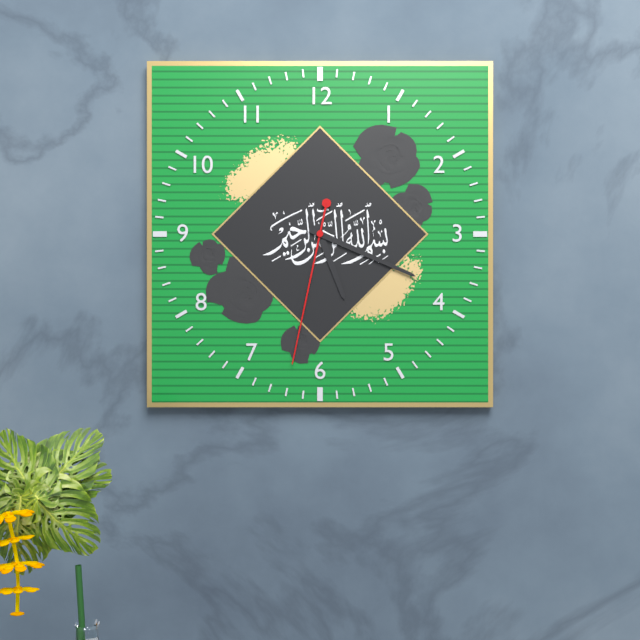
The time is 5:19:32
